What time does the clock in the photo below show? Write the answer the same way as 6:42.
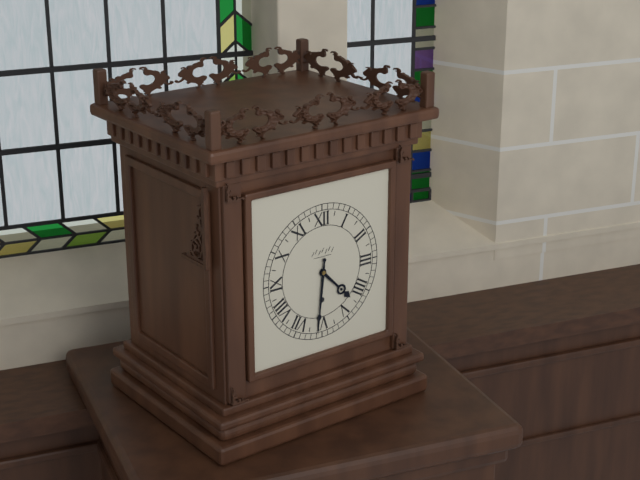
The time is 4:31
